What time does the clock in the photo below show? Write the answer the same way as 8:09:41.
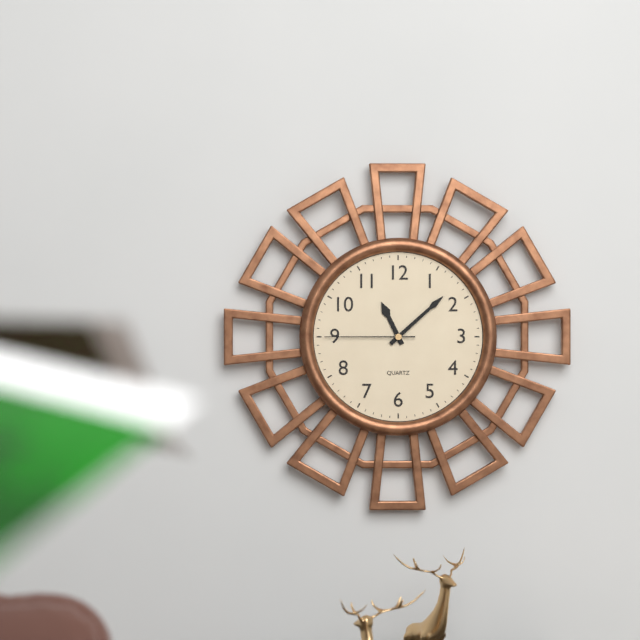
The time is 11:08:45
